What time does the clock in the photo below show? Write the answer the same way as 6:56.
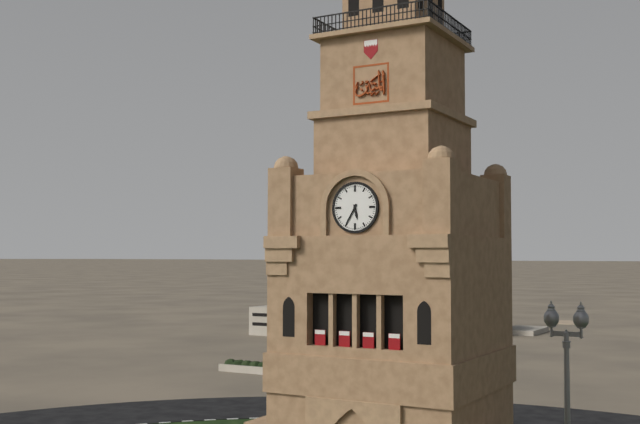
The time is 5:35
